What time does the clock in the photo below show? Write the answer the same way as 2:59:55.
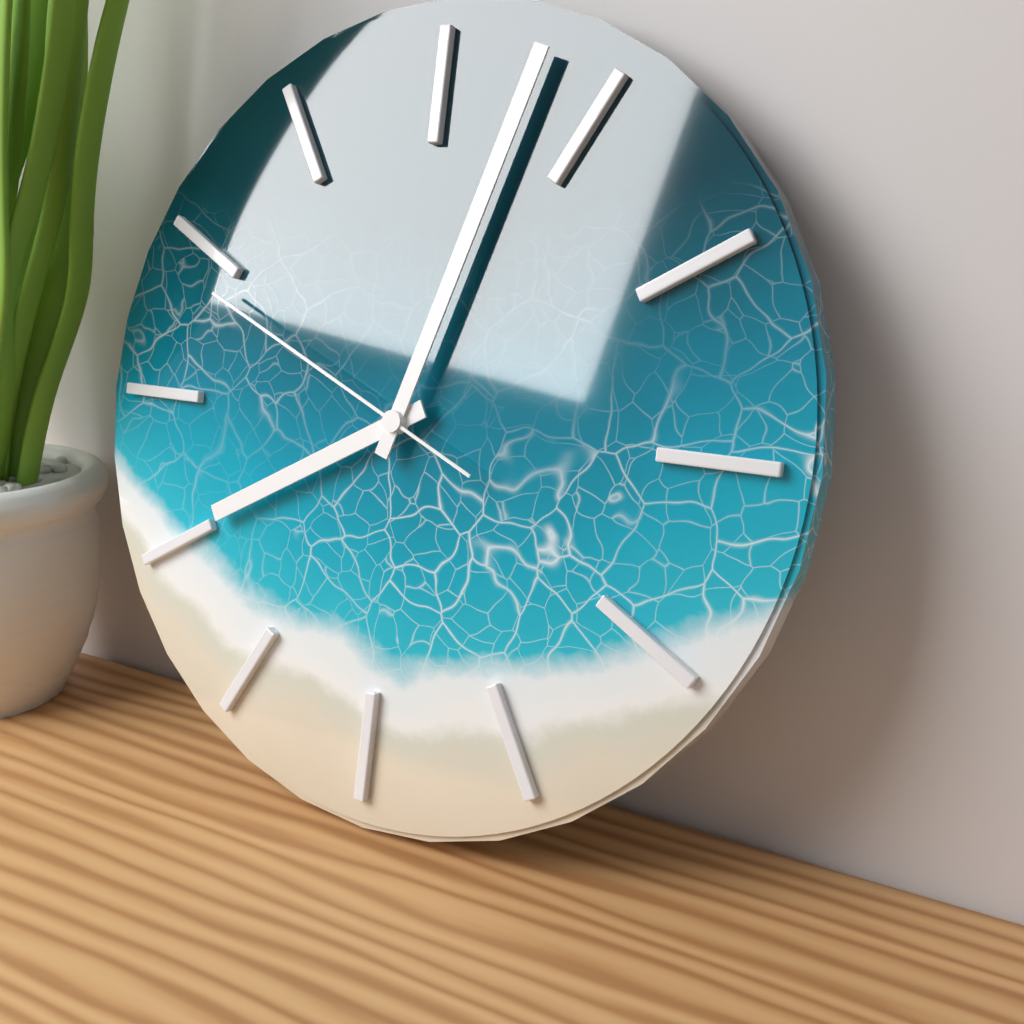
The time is 8:03:49
